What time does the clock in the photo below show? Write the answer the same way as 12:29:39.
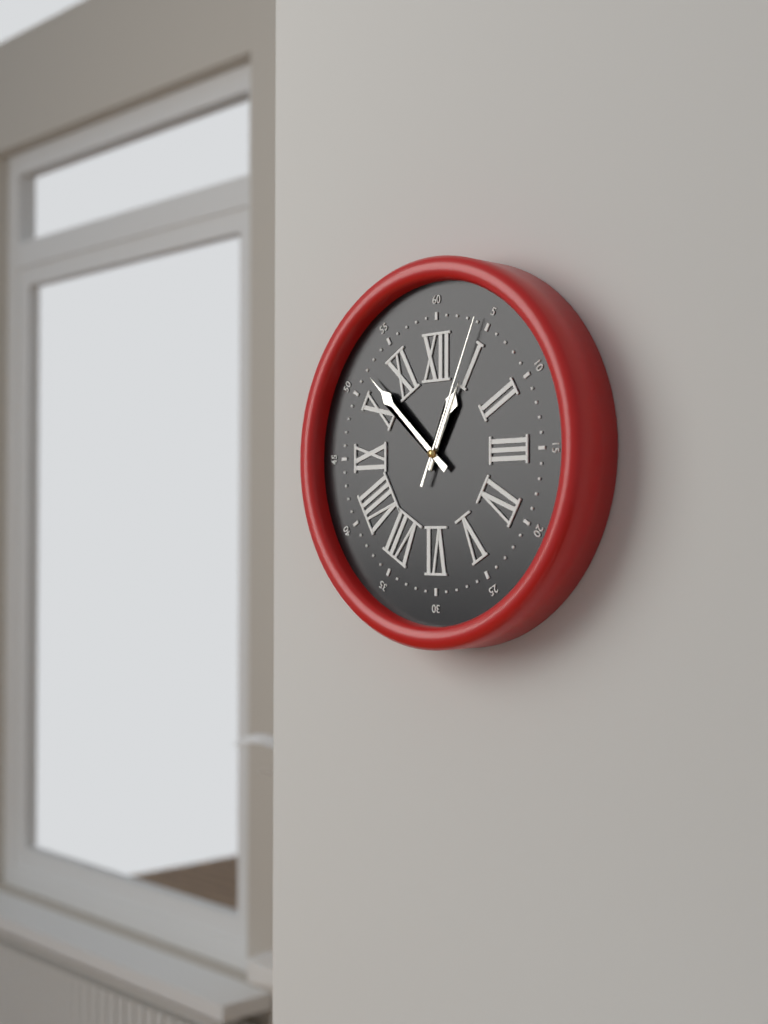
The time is 12:52:04
